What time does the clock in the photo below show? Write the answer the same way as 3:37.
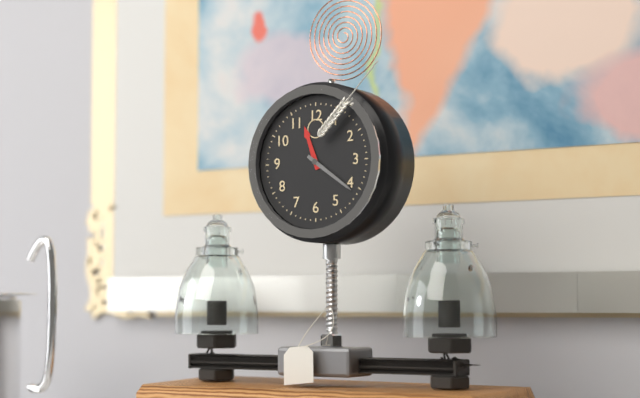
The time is 11:21
